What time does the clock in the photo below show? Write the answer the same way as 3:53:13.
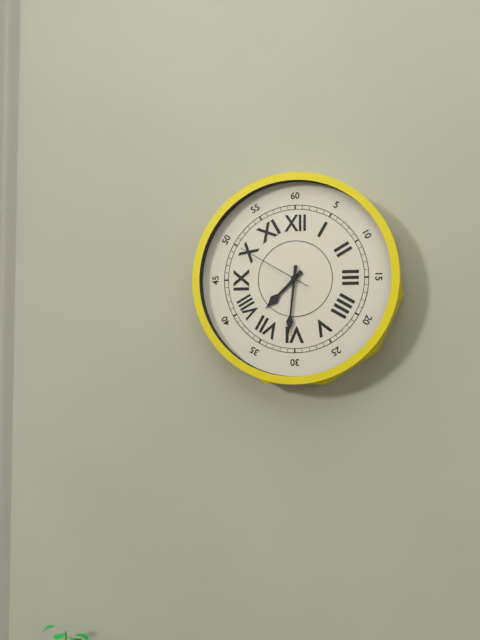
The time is 7:31:50
